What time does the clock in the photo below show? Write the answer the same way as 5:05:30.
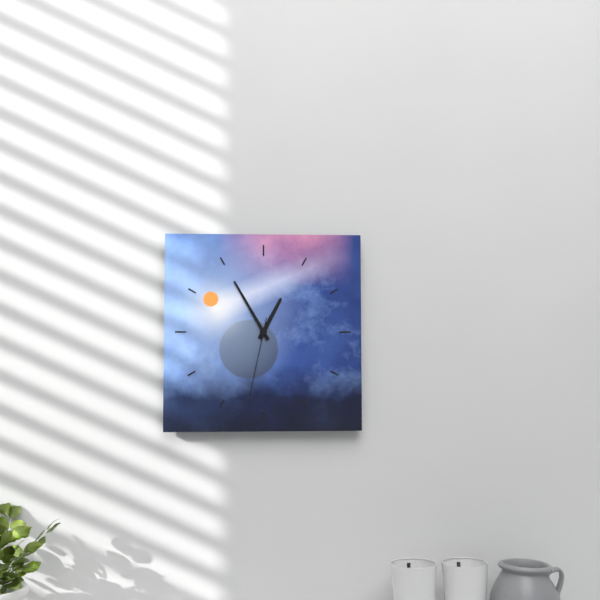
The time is 12:55:32
